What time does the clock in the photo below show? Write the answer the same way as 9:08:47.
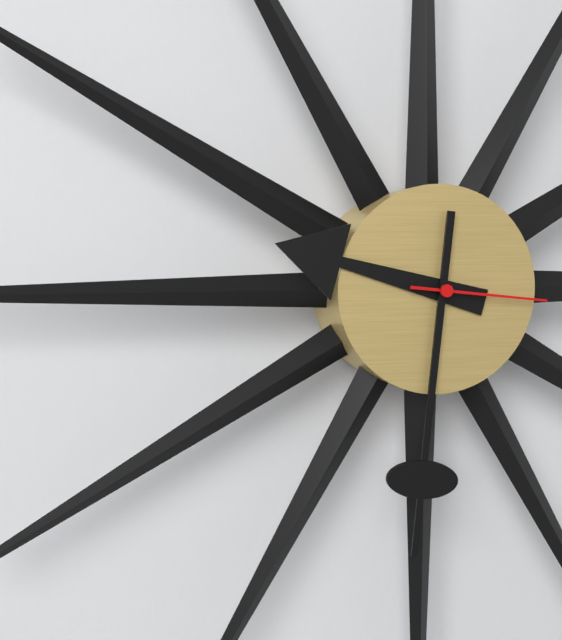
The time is 9:31:16
